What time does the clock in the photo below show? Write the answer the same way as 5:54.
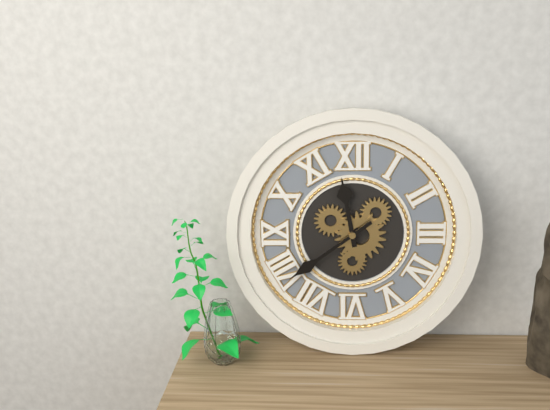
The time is 11:39
